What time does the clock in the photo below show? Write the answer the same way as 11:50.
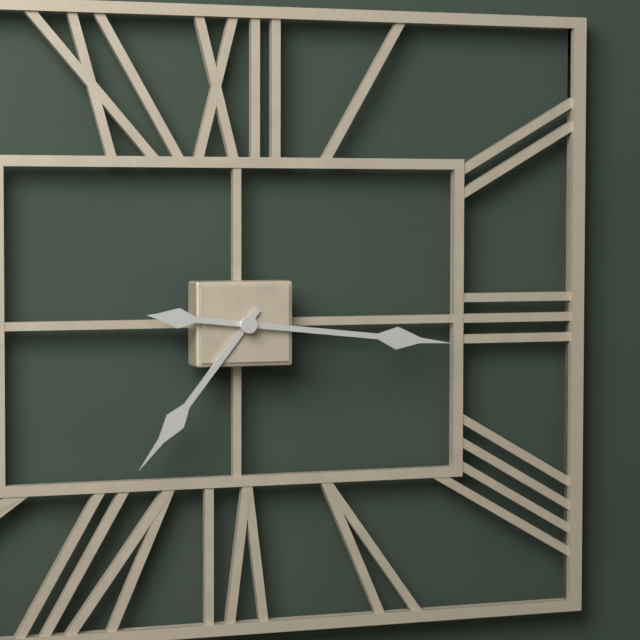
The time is 7:16
